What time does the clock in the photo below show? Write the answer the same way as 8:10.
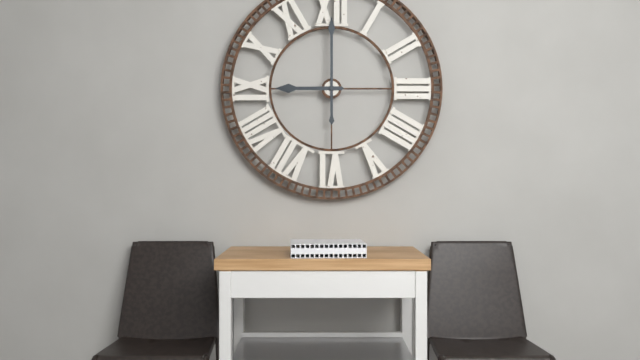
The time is 9:00
